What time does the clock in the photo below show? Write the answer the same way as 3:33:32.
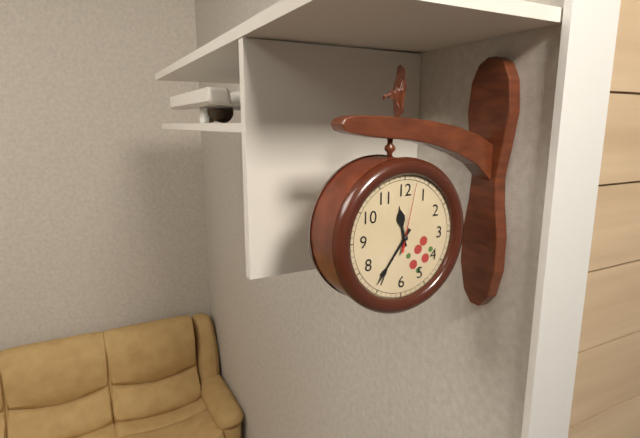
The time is 11:36:02
